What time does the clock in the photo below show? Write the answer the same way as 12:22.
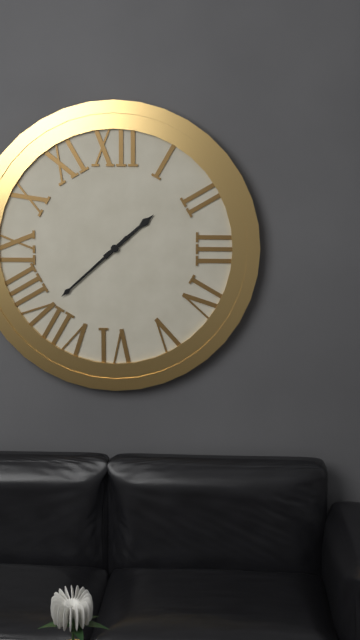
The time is 1:38
